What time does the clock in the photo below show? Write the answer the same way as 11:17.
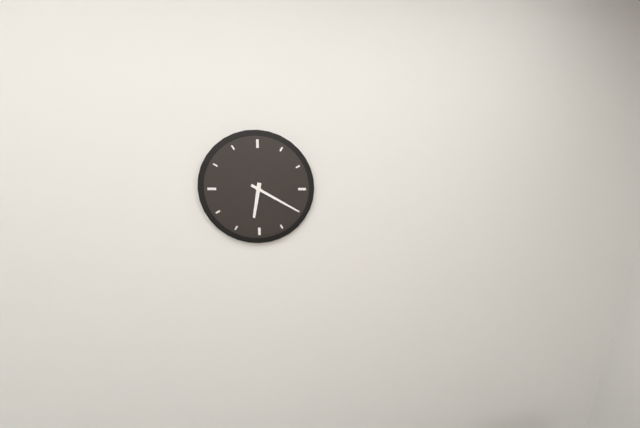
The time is 6:20
